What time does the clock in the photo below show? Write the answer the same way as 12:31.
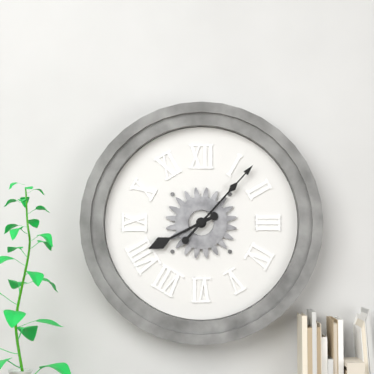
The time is 8:07
